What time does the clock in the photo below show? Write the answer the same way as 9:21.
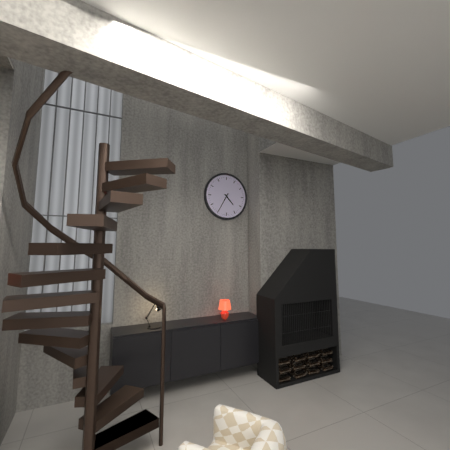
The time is 4:35
